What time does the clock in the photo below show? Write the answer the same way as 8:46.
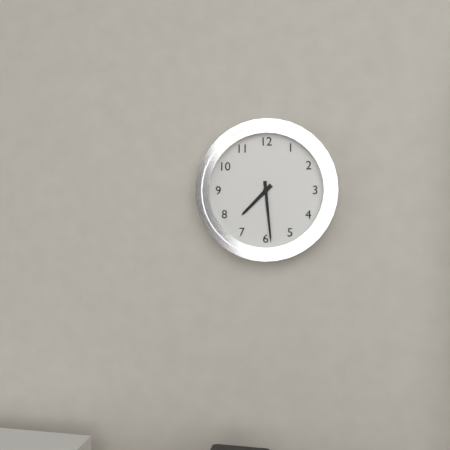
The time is 7:29
